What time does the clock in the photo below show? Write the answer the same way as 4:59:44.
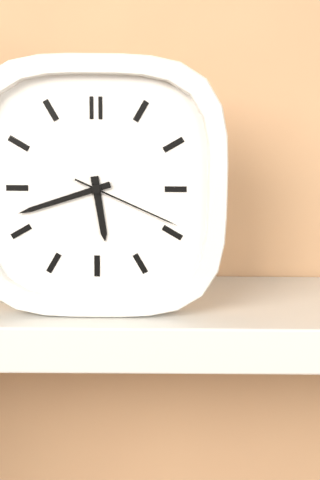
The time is 5:42:19
